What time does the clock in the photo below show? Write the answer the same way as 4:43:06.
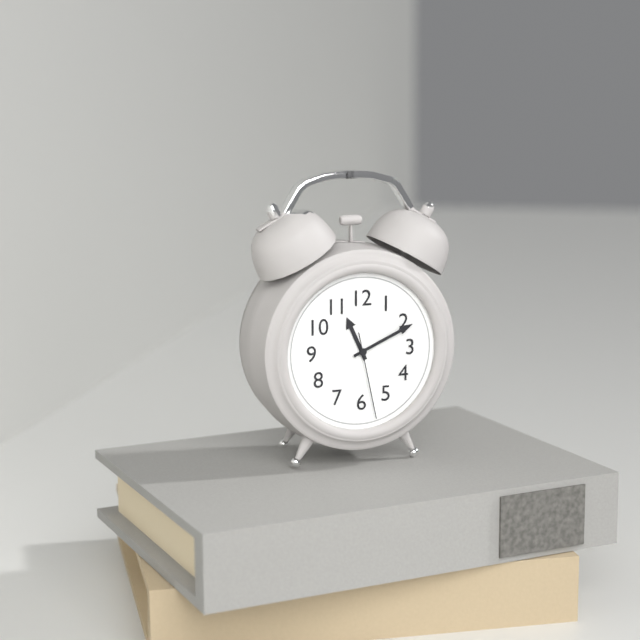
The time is 11:11:28
